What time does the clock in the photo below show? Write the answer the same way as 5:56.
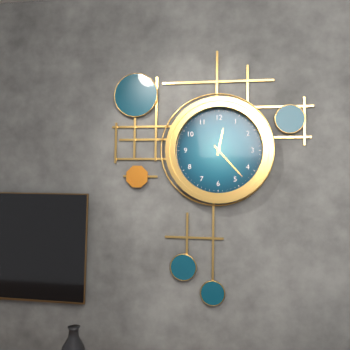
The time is 12:23
